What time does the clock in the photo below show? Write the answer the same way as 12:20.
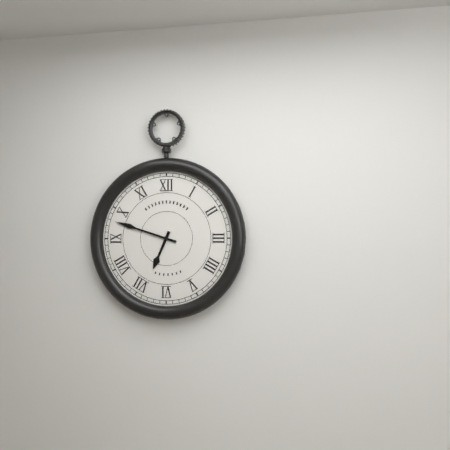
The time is 6:48
